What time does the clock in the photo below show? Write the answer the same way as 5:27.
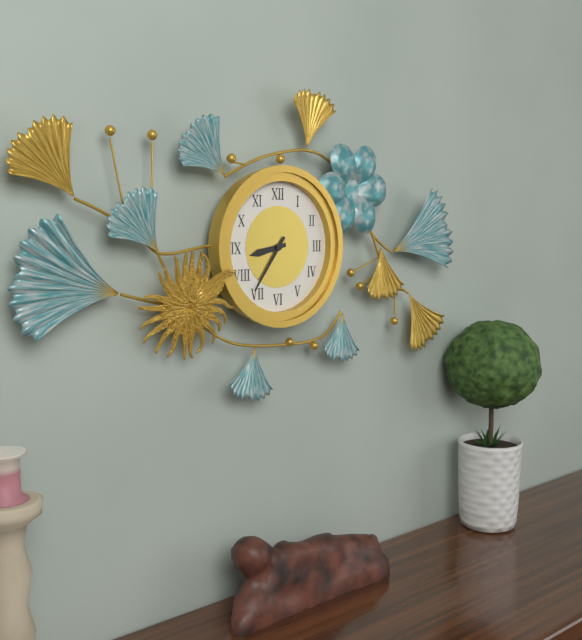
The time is 8:36
